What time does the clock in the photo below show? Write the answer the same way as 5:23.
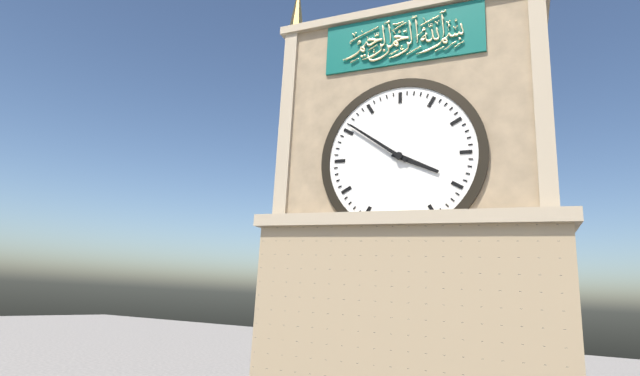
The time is 3:51
